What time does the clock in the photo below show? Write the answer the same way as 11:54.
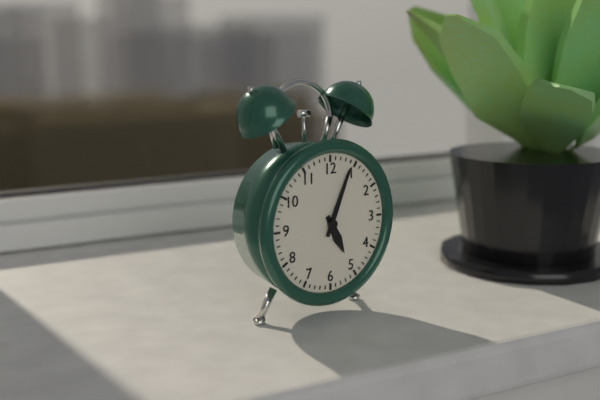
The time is 5:04
